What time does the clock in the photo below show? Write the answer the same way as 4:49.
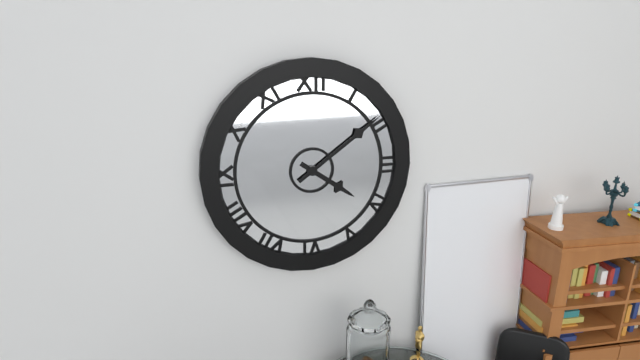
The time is 4:09
